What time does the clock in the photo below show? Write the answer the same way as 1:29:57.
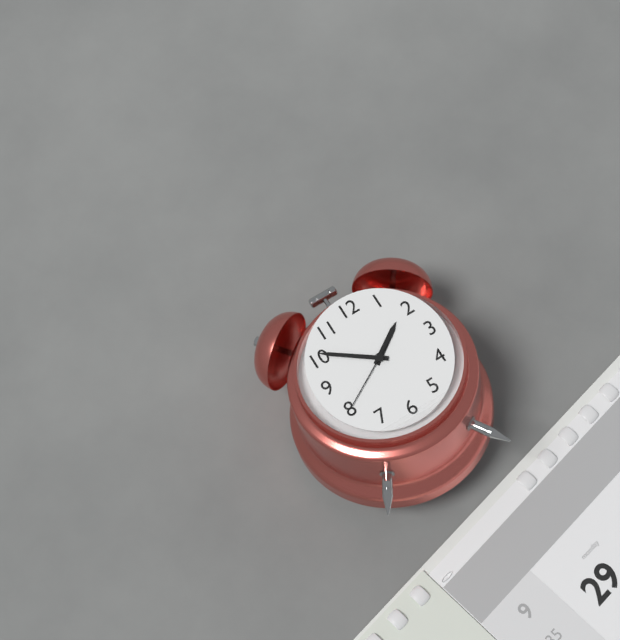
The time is 1:51:40
